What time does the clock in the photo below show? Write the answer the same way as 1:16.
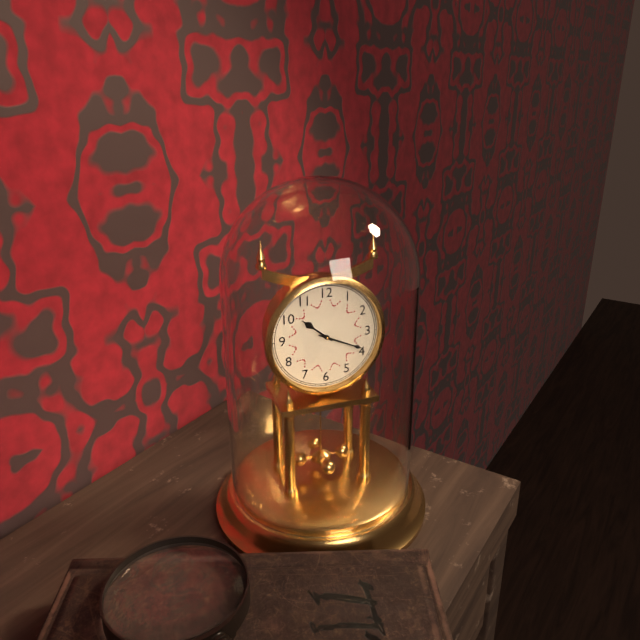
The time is 10:19
